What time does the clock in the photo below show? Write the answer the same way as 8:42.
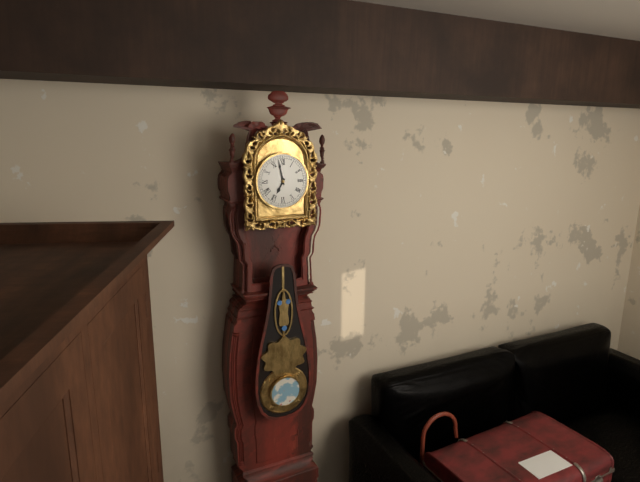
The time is 6:58
